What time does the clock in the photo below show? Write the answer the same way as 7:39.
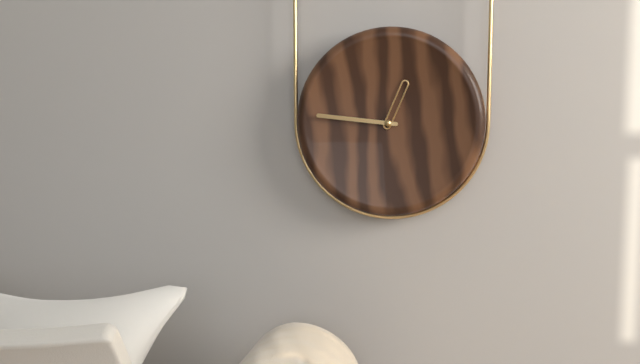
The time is 12:46
